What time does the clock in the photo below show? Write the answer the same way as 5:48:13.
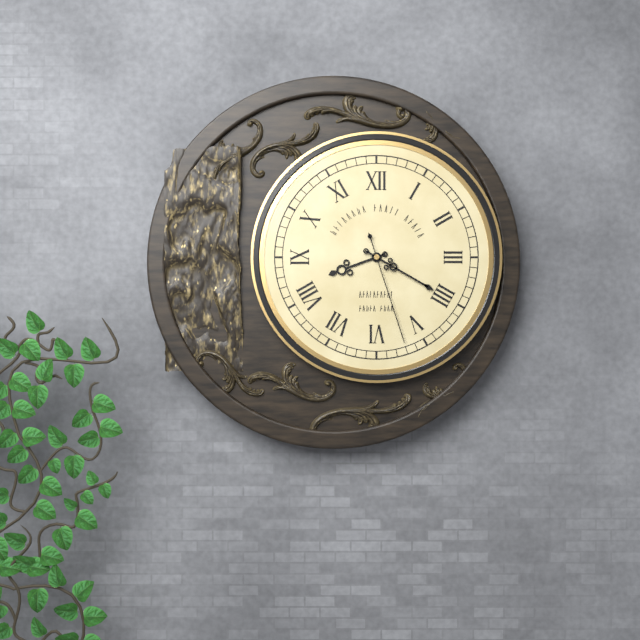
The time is 8:20:27
